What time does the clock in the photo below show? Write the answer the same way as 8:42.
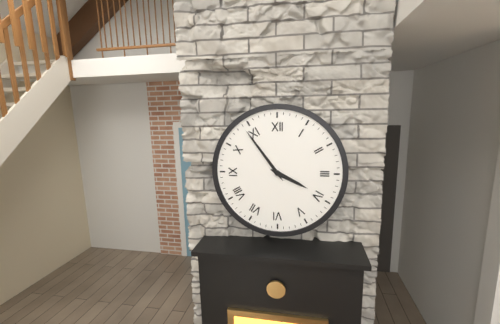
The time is 3:54
